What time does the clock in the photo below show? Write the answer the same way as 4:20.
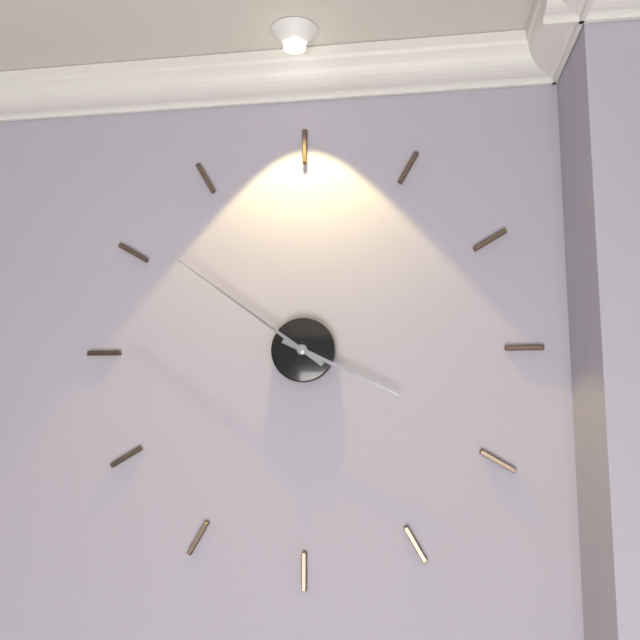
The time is 3:51
